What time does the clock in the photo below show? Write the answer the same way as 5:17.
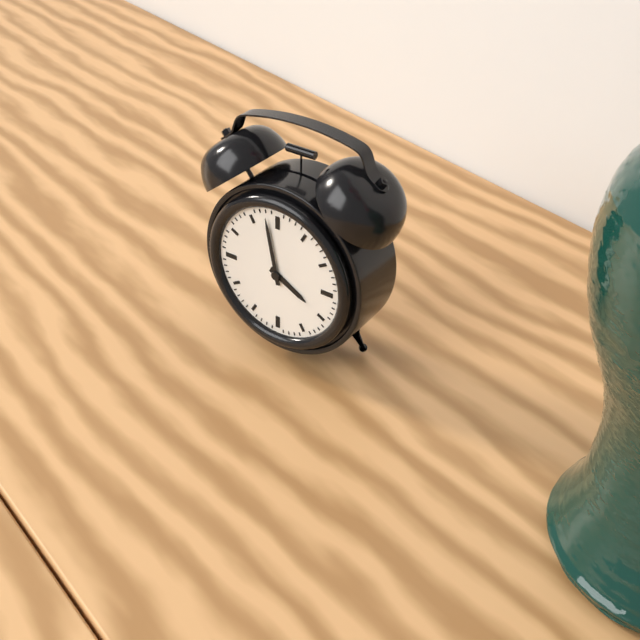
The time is 3:58
